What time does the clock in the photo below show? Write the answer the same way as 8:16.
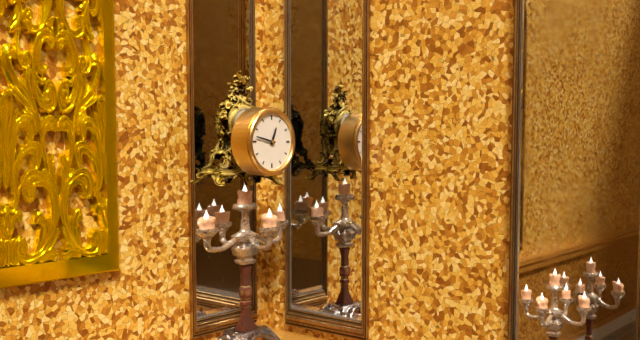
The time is 12:47
